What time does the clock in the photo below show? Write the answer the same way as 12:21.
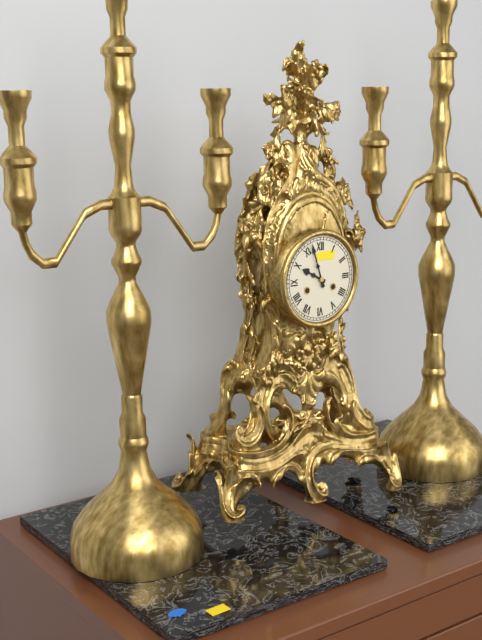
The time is 9:57
